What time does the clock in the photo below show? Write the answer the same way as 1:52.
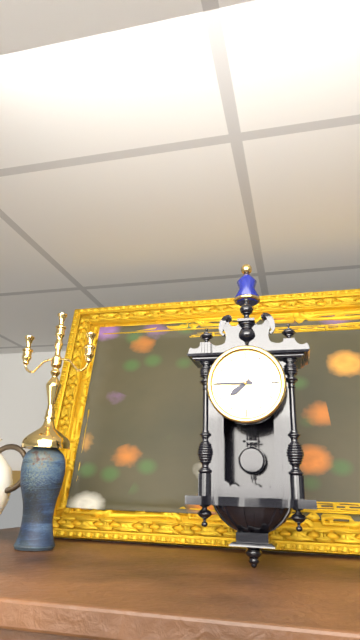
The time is 7:45
